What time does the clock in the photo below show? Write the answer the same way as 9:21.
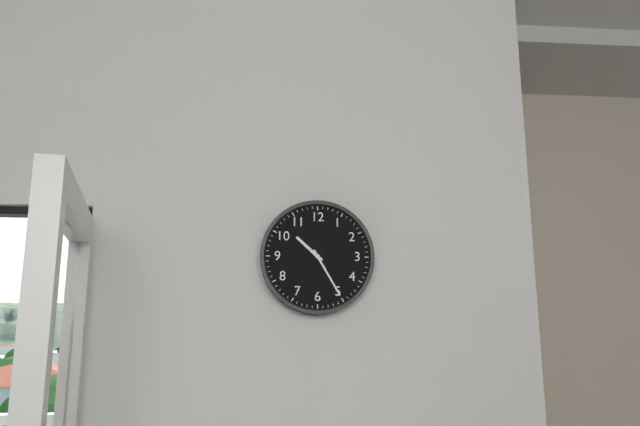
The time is 10:25
